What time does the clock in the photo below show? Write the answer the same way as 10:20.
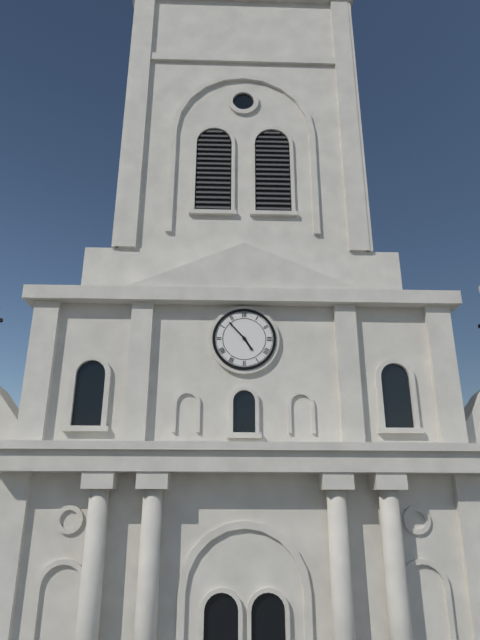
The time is 4:53
